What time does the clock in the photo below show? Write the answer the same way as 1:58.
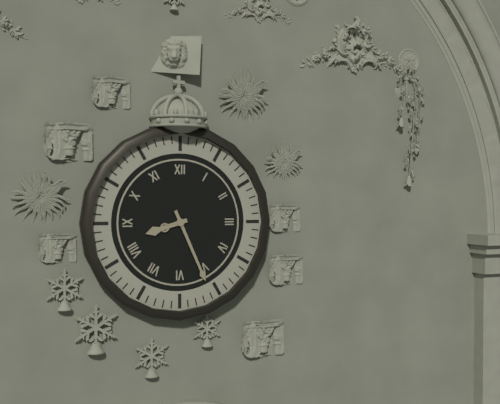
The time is 8:26
